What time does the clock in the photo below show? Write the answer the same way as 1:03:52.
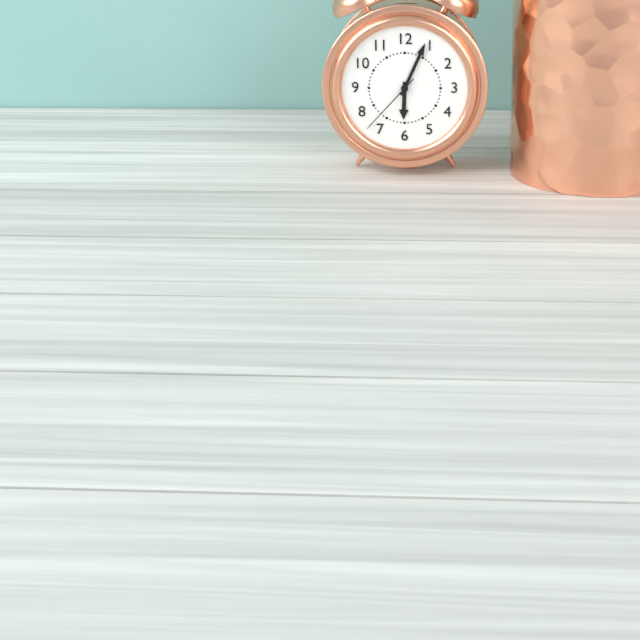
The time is 6:04:37
